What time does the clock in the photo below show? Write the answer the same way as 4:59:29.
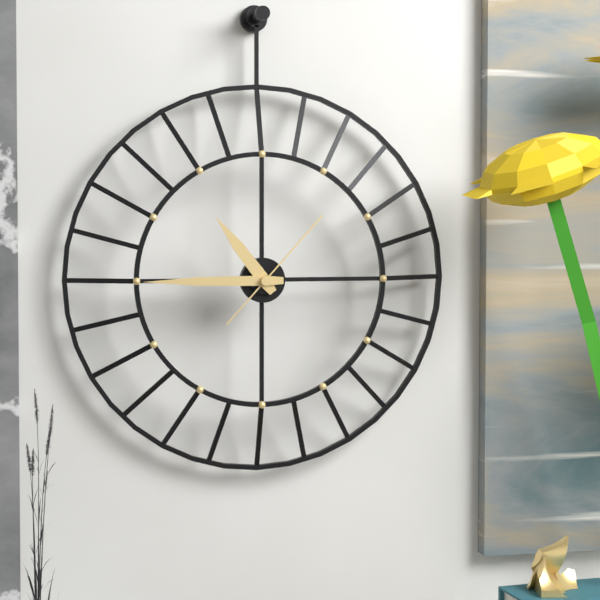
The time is 10:45:07
